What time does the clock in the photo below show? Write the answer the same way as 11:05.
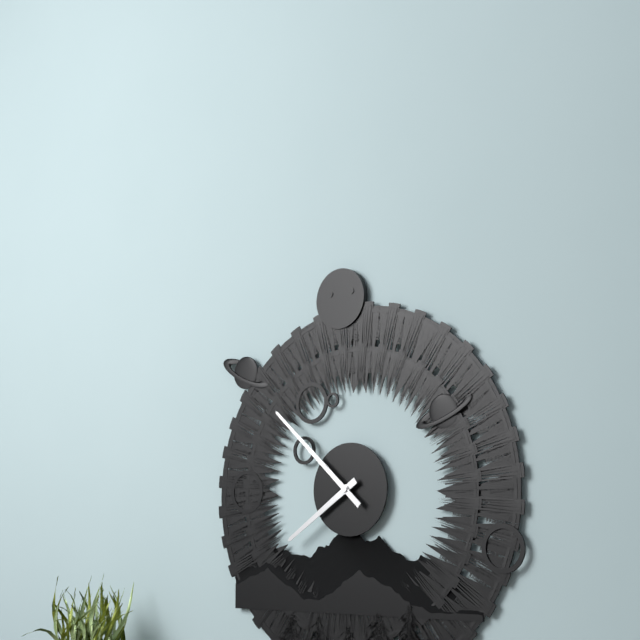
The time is 7:52
